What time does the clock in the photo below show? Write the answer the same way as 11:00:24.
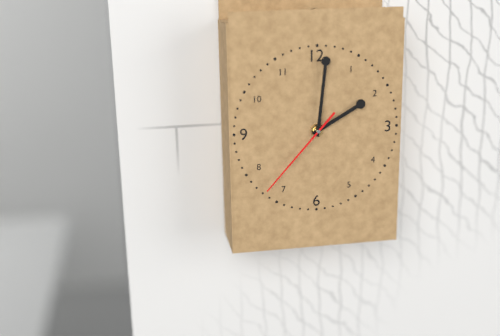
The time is 2:01:37
